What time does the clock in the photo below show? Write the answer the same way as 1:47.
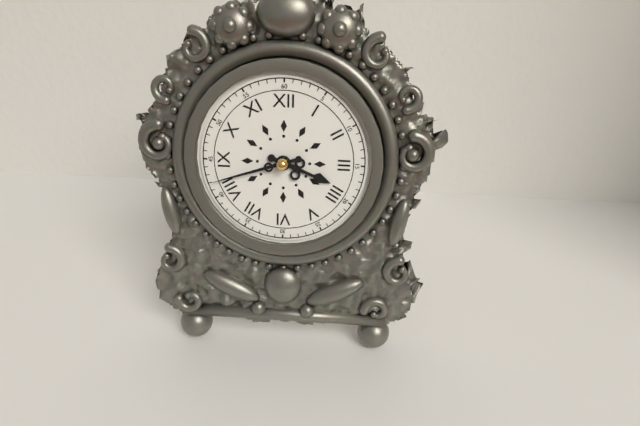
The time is 3:42
